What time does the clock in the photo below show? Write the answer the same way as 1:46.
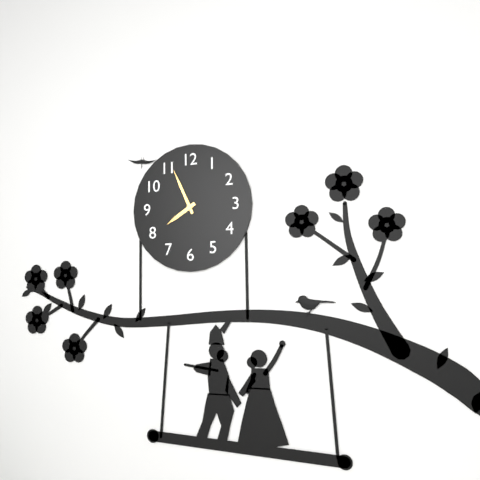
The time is 7:56
